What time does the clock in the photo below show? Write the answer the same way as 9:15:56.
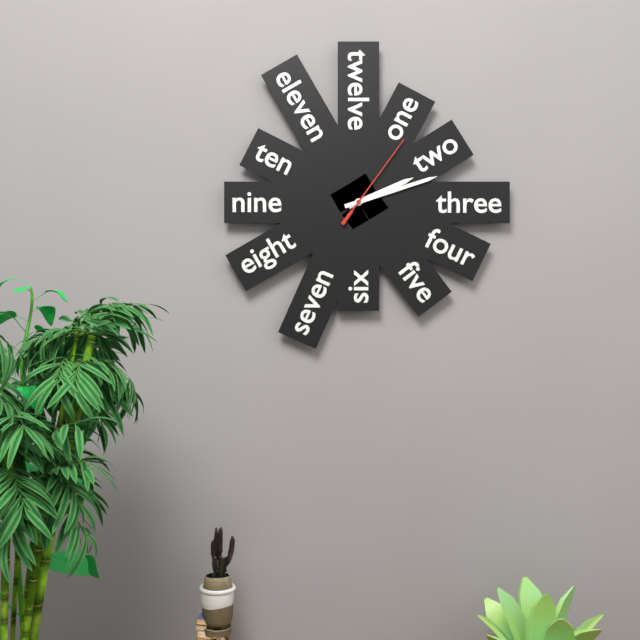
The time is 2:12:06
